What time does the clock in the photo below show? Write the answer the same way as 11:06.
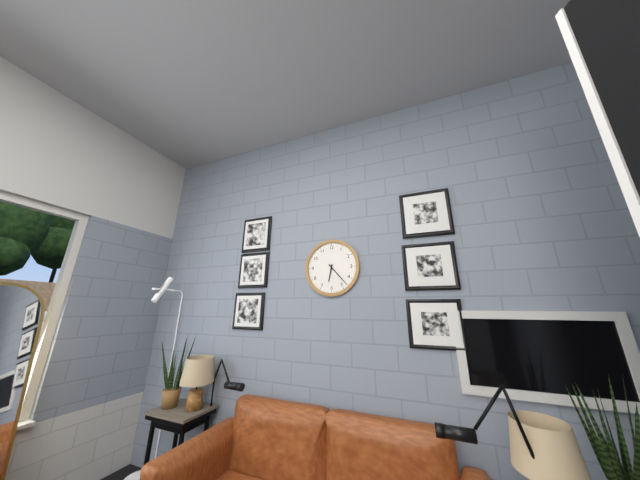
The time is 6:23
